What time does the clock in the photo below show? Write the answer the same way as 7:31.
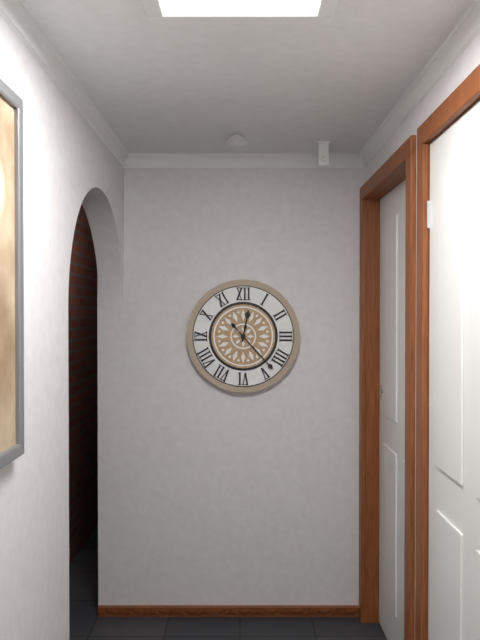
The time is 12:23
